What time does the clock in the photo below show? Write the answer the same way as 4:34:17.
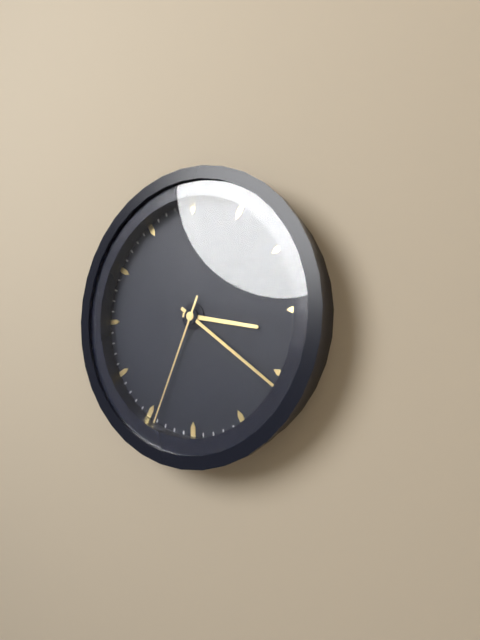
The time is 3:21:34
